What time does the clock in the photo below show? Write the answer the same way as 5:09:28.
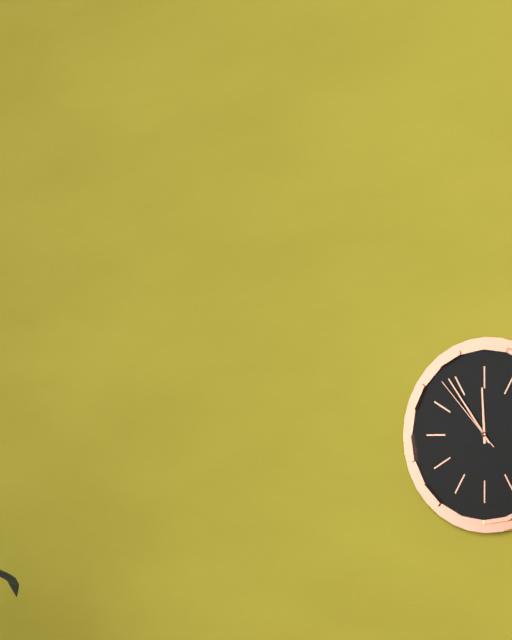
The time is 11:54:53
